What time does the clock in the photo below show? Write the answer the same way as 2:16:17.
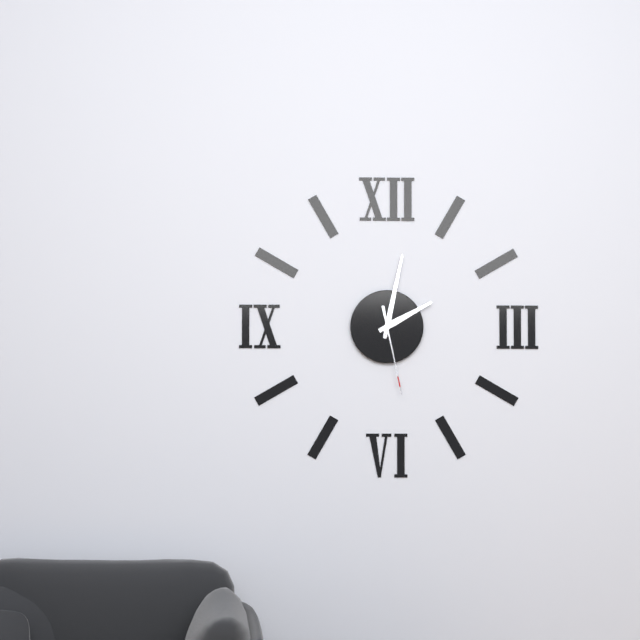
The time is 2:02:28
